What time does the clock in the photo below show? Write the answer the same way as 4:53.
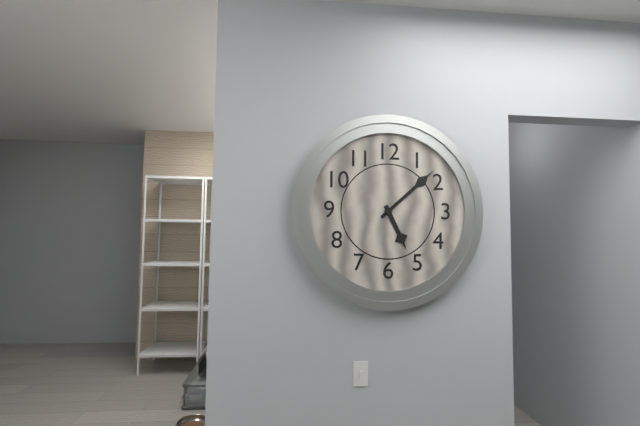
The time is 5:08
